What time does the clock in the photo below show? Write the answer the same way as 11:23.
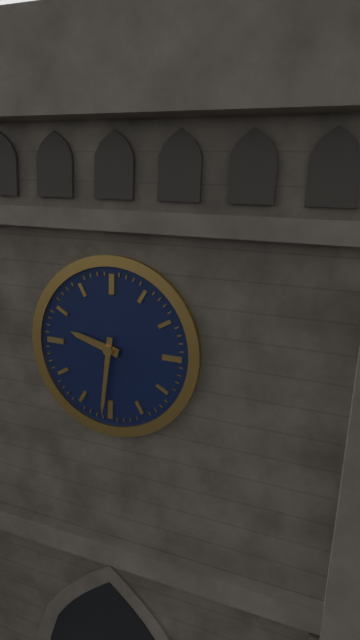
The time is 9:31
